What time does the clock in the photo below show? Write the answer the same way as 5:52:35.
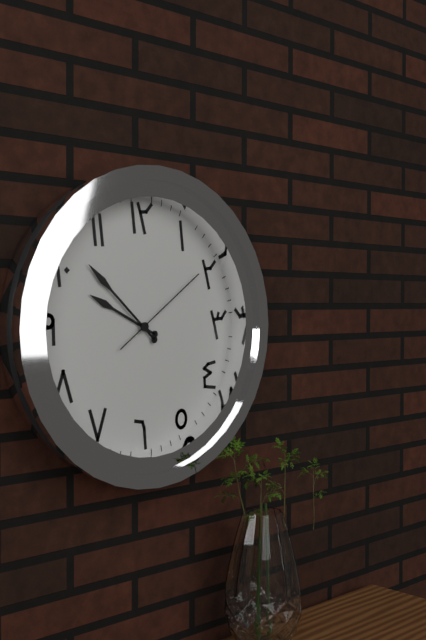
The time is 9:52:09
